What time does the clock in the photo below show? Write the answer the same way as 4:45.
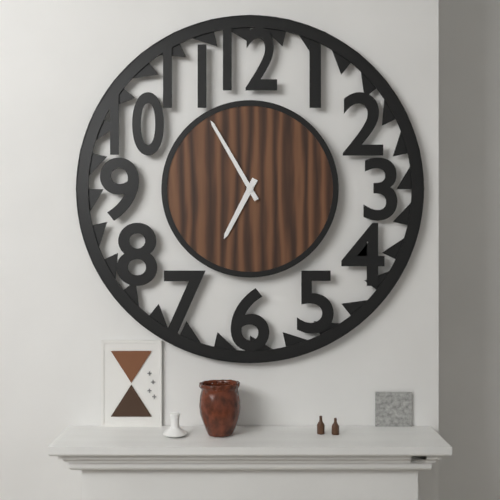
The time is 6:55
